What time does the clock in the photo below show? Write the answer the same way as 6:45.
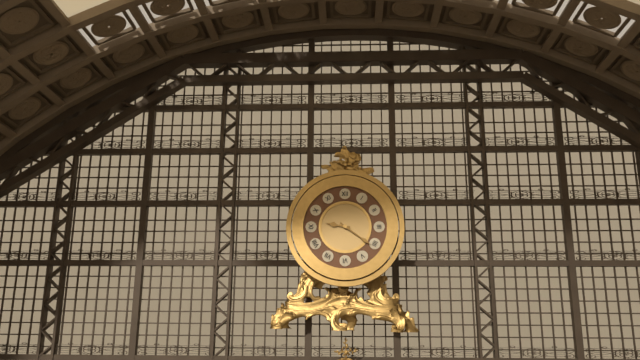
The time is 9:21
